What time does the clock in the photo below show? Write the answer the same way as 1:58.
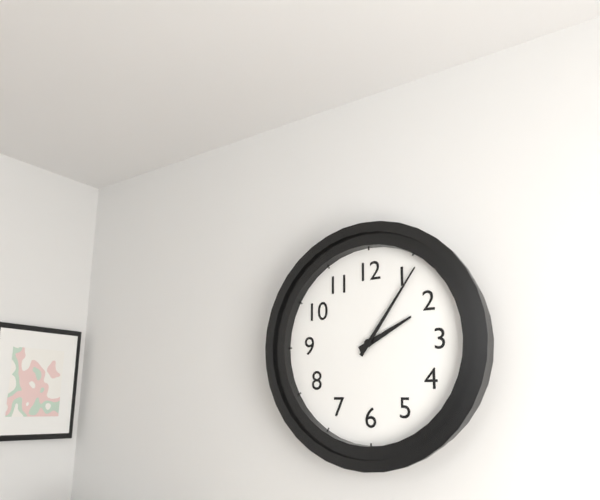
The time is 2:06
